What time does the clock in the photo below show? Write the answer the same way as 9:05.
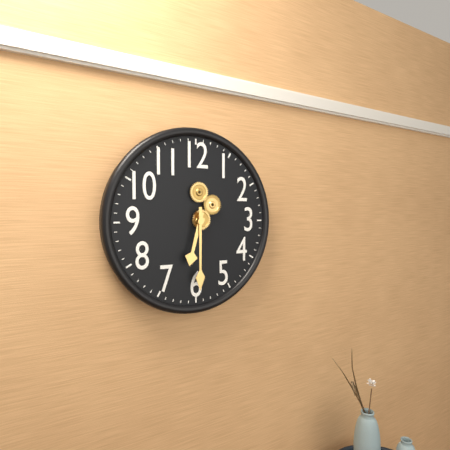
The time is 6:30
